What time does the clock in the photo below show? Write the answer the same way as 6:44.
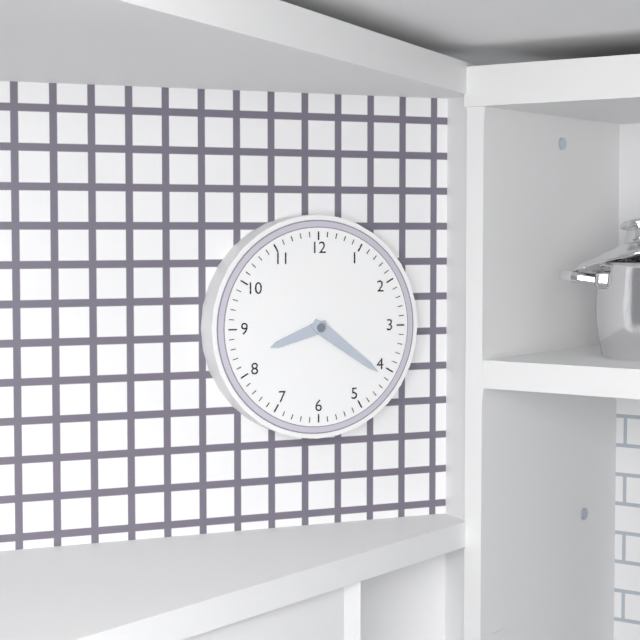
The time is 8:21
